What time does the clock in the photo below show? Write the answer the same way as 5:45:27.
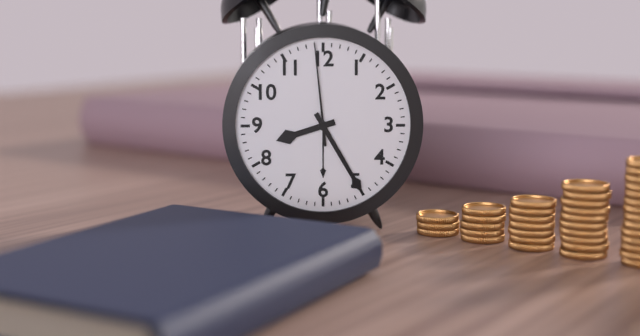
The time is 8:25:59
